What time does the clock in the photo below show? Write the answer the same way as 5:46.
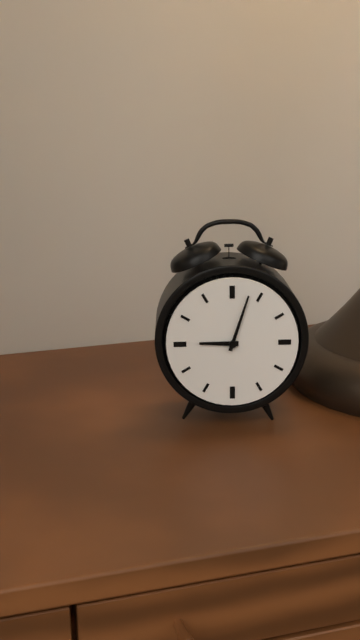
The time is 9:03
